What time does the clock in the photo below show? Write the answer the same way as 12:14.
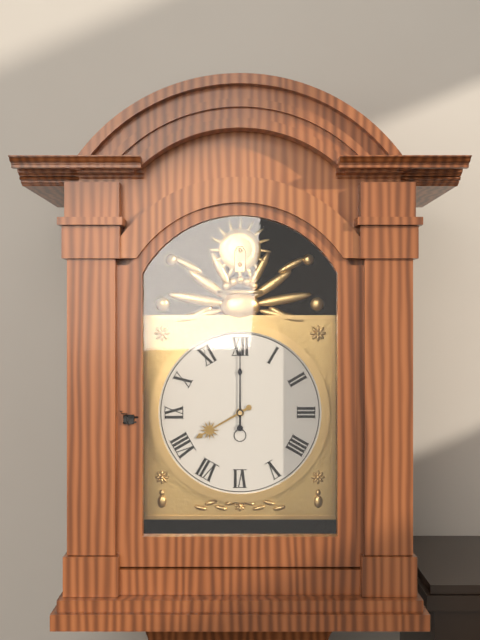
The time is 8:00
